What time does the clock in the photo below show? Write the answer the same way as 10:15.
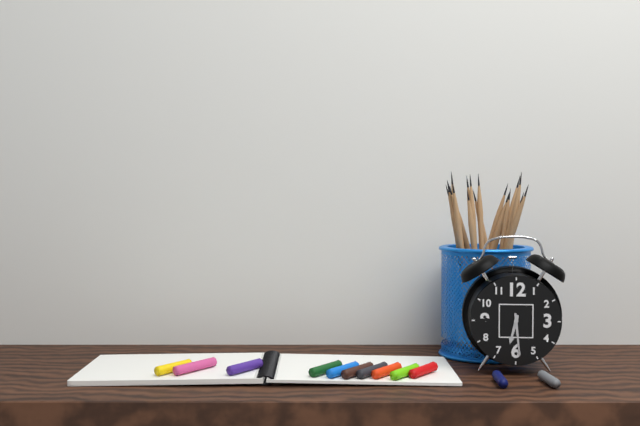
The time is 6:29
